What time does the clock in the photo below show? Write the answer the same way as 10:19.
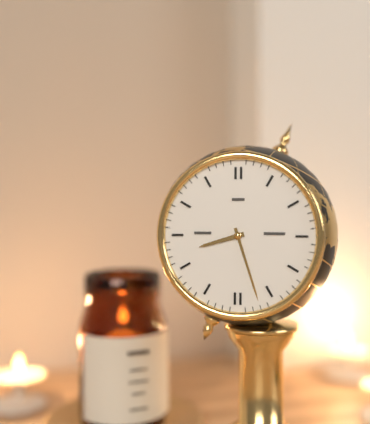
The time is 8:27
